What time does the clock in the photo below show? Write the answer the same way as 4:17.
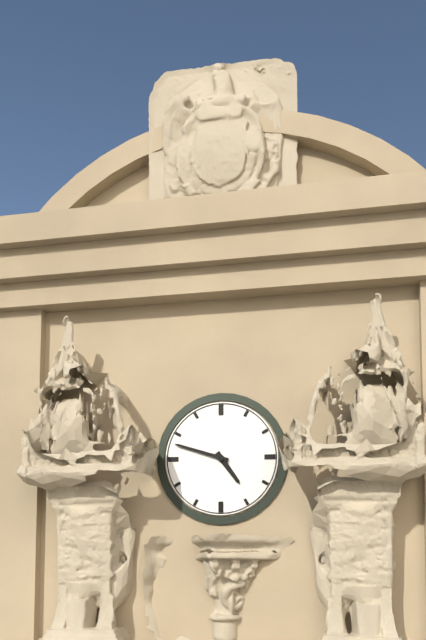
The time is 4:48
